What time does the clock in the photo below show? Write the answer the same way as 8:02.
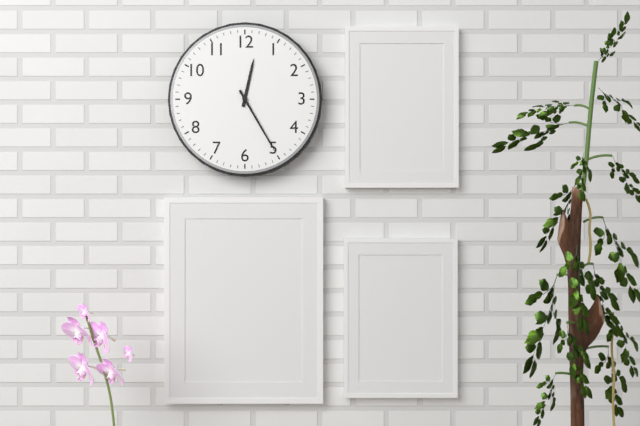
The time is 12:25
